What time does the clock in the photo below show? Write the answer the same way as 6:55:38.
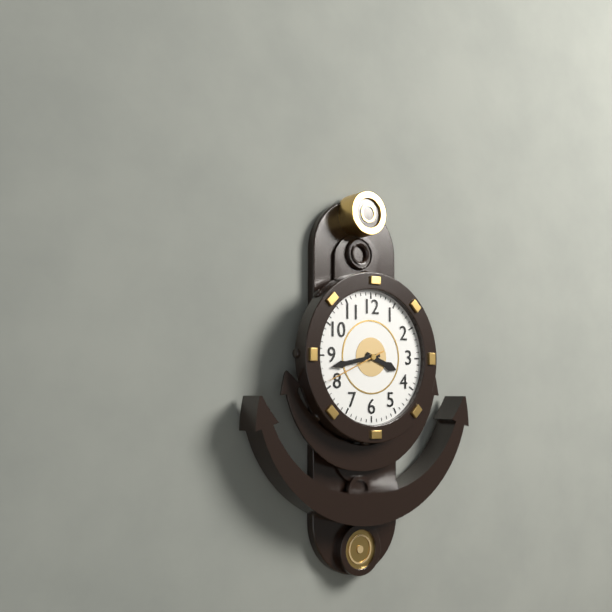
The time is 3:43:41
